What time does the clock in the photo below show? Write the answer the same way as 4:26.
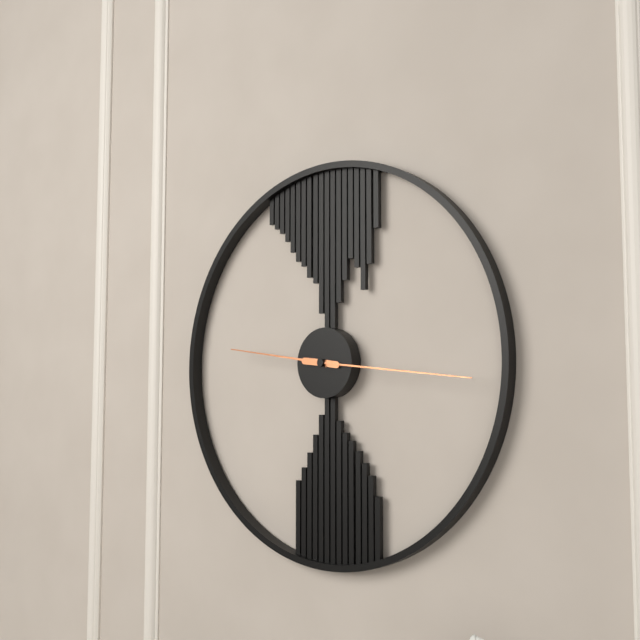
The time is 9:16
